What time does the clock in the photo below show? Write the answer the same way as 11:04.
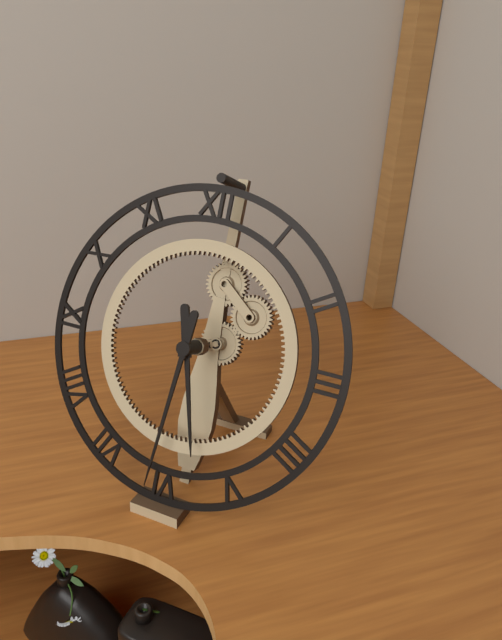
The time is 5:31
